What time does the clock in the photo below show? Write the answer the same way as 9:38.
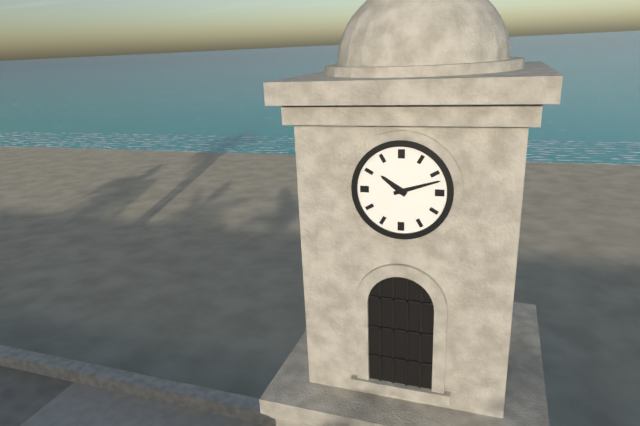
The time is 10:12
